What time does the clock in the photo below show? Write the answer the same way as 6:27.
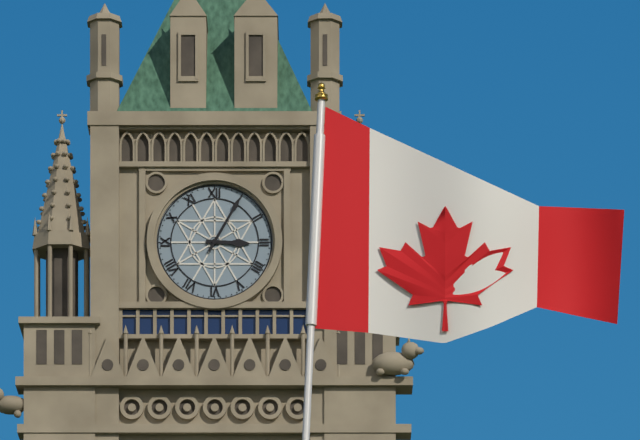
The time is 3:05
